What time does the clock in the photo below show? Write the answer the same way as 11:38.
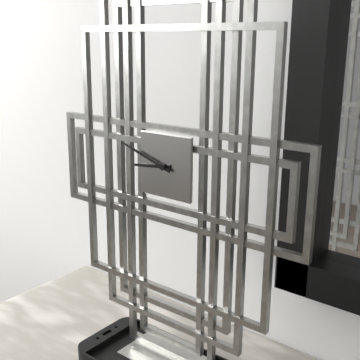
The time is 8:48
